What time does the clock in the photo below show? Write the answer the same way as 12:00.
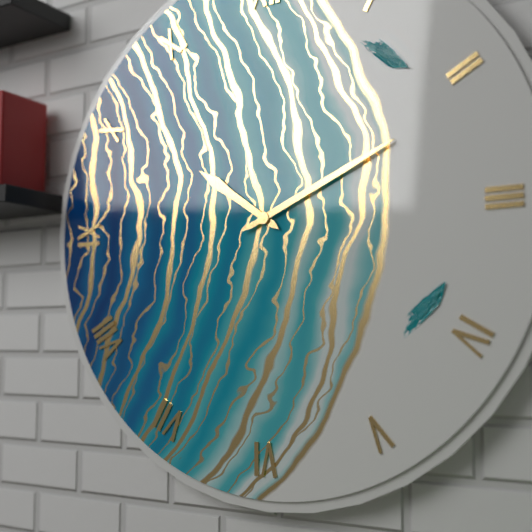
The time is 10:11
